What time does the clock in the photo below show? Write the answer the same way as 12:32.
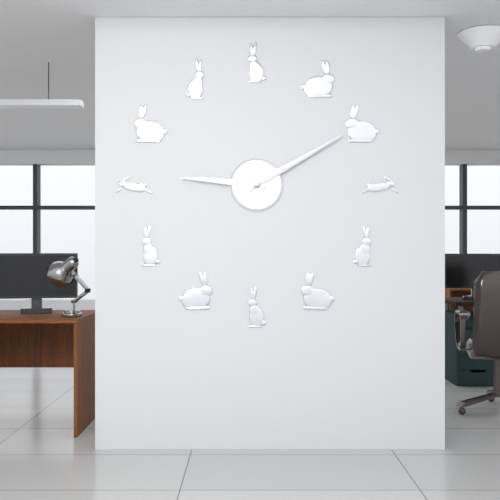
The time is 9:10
